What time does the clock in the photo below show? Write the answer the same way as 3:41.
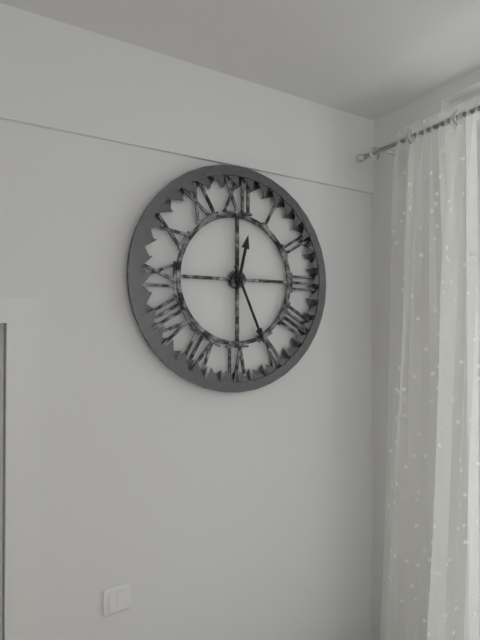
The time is 12:26
